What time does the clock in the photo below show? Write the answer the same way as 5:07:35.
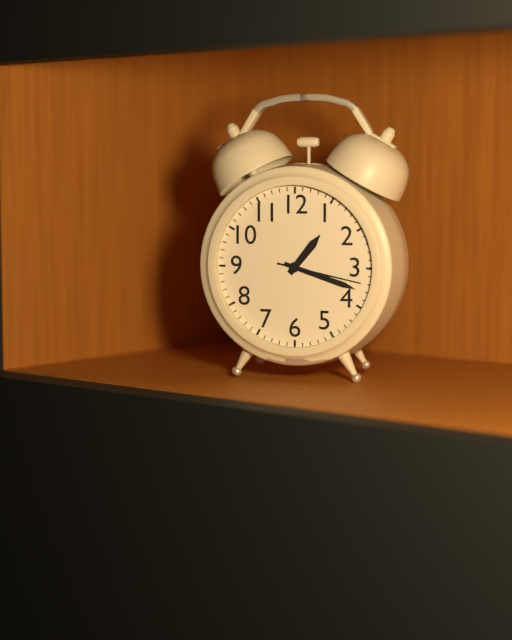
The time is 1:18:17
